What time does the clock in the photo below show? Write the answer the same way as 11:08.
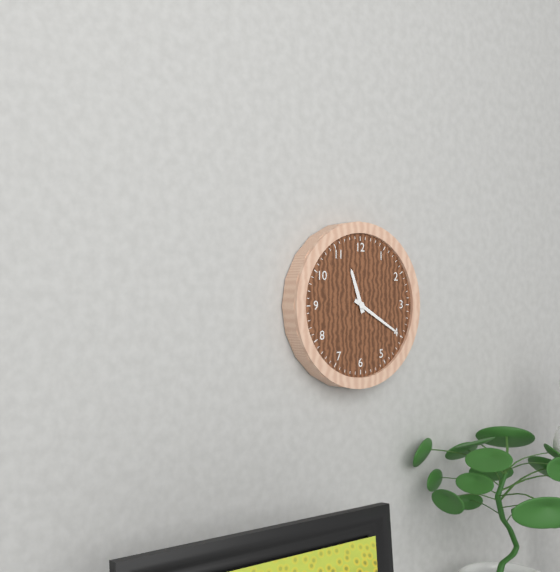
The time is 11:20
